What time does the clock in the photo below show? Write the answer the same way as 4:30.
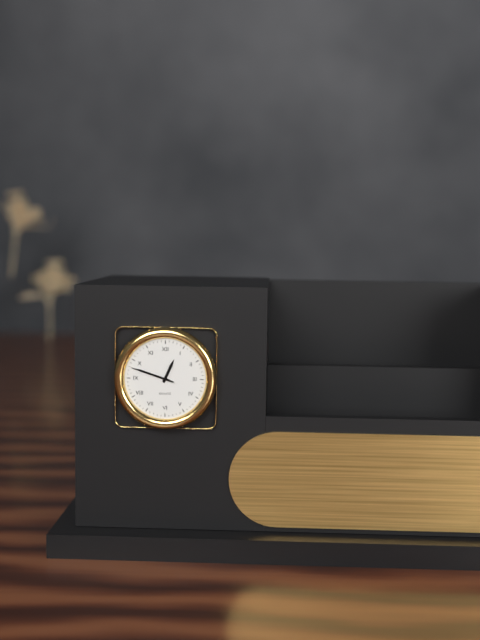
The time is 12:48
